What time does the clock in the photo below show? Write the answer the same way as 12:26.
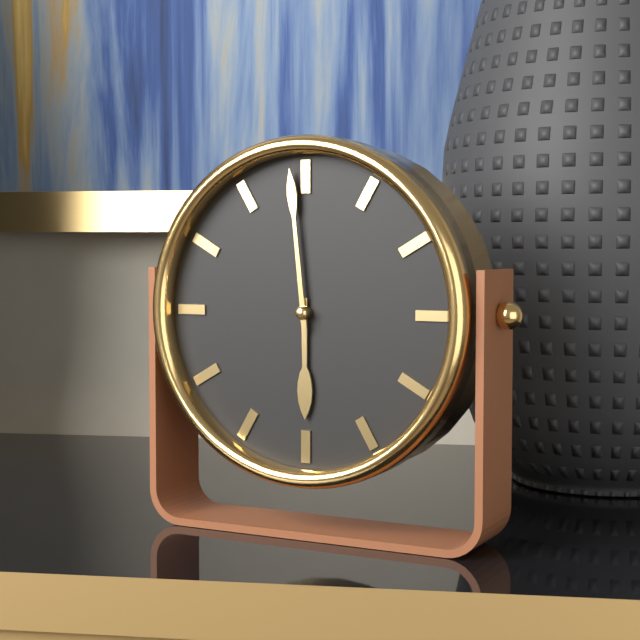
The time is 5:59
